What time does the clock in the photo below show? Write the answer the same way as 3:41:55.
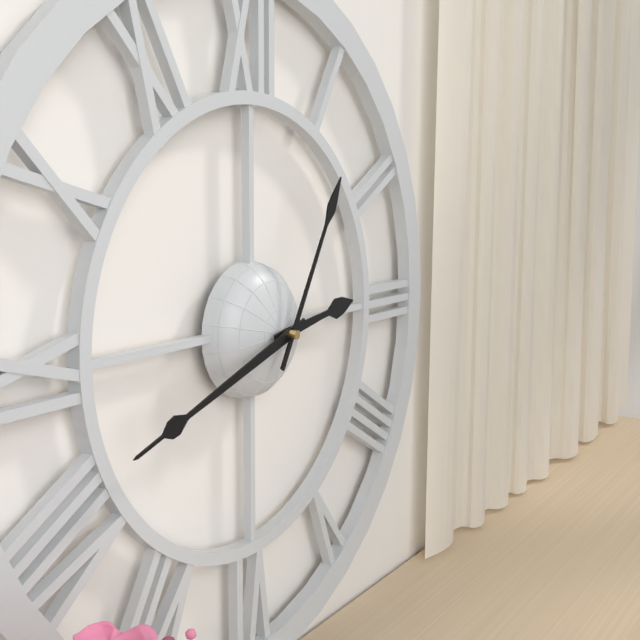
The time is 2:42:05
